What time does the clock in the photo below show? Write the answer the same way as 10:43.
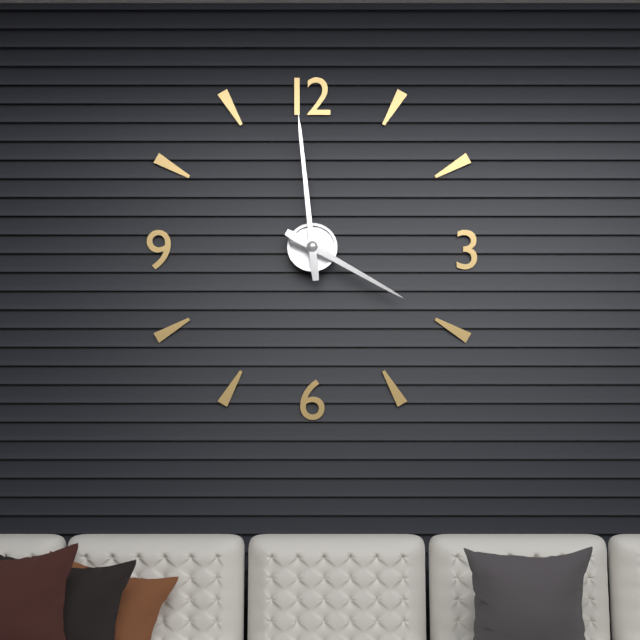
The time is 3:59
